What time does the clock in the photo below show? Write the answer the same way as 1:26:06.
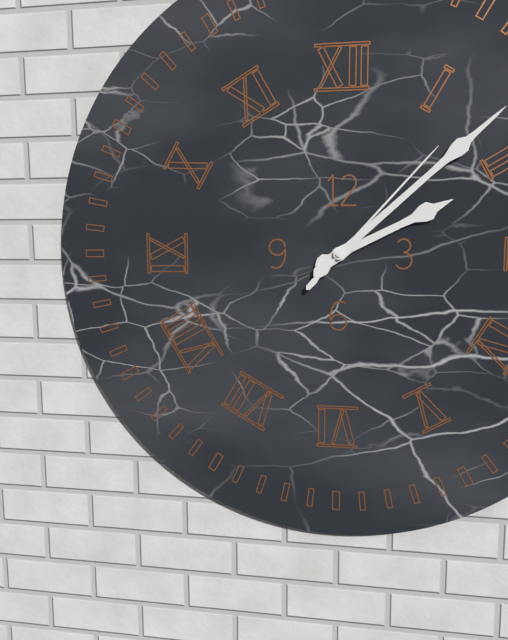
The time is 2:08:07
